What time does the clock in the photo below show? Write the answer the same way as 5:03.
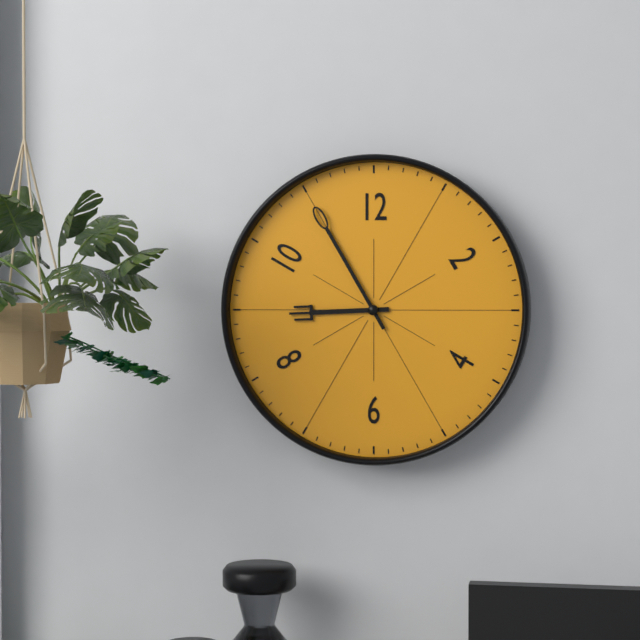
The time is 8:55
